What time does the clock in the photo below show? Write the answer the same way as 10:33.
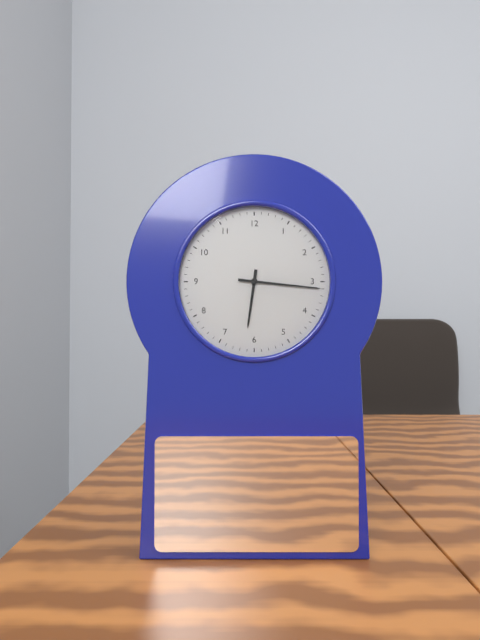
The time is 6:16
